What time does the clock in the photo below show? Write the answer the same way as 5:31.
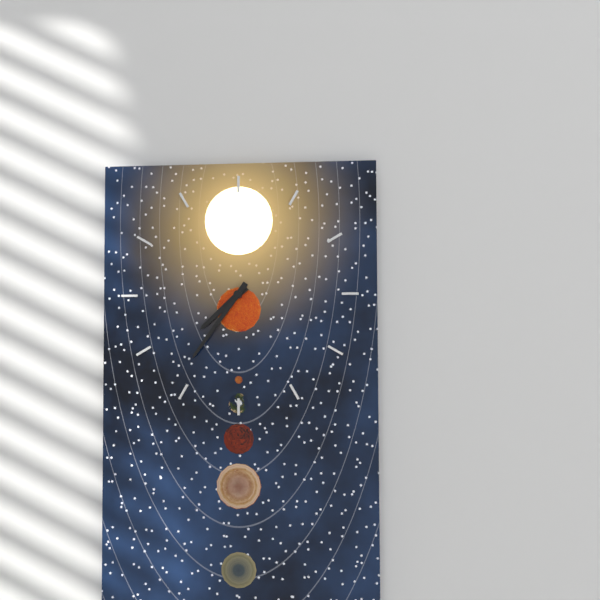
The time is 7:36
